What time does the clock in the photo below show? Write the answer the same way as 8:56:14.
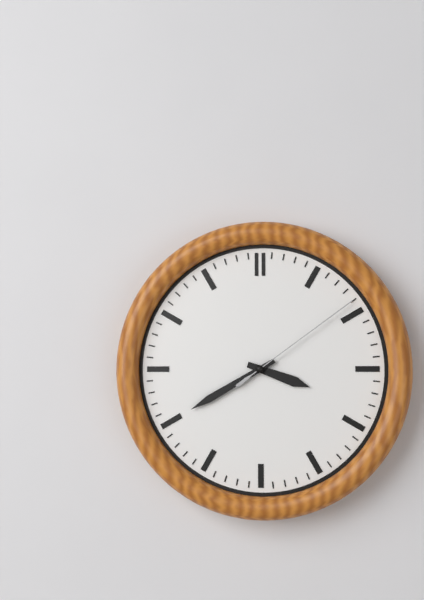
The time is 3:40:09
